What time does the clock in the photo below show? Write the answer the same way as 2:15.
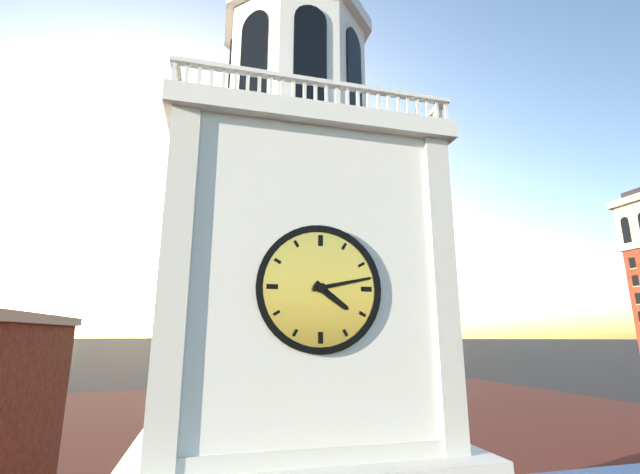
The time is 4:13
